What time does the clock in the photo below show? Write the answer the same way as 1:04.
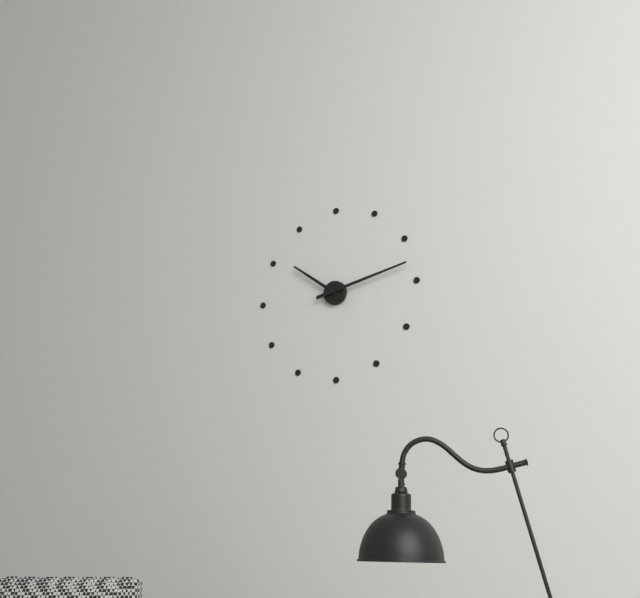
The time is 10:13
